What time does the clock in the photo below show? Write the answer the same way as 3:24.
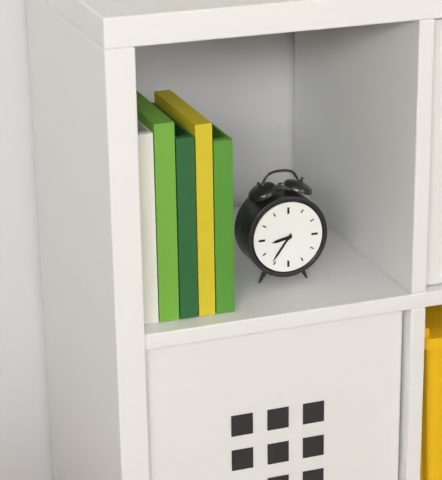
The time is 8:36
